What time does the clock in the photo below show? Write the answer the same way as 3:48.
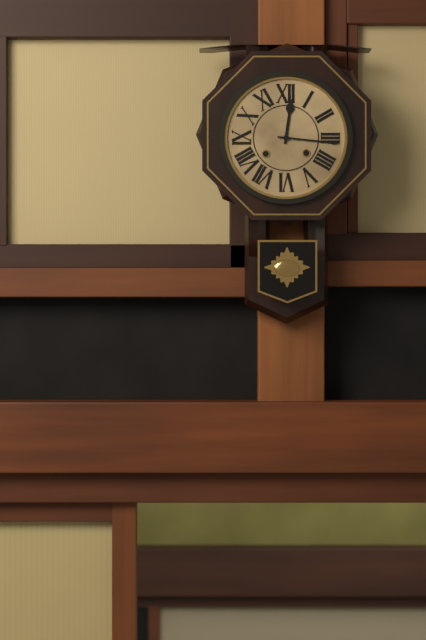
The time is 12:16
